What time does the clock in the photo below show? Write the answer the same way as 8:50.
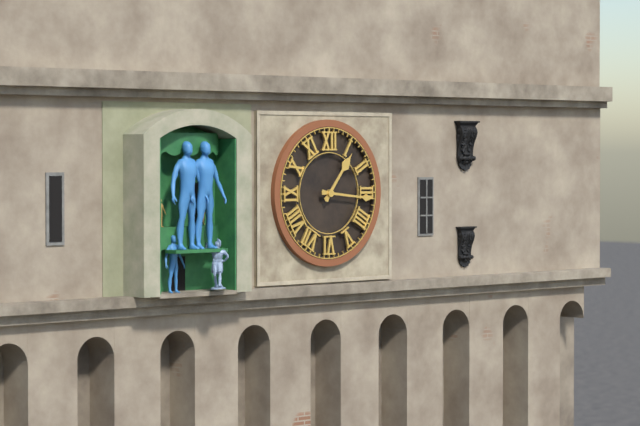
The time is 1:16
